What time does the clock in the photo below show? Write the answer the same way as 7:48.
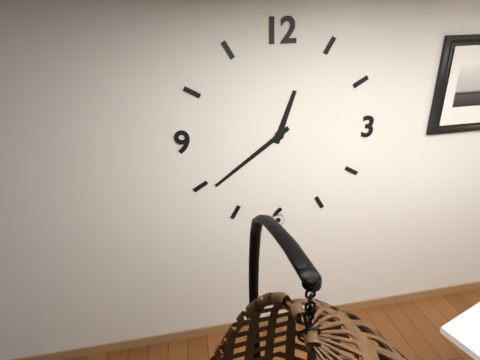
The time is 12:39
